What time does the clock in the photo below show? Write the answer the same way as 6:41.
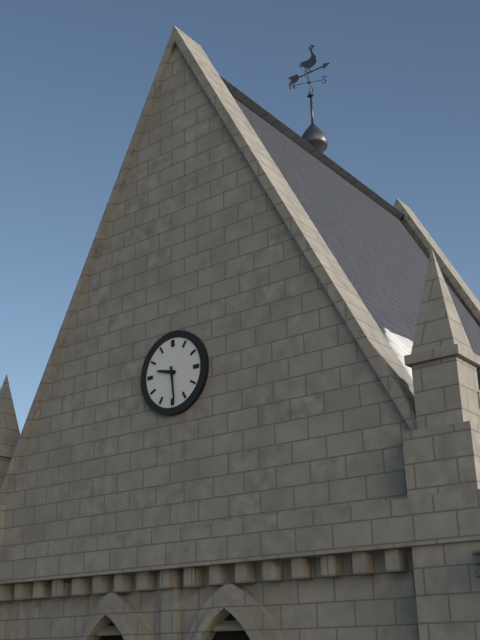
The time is 9:29
